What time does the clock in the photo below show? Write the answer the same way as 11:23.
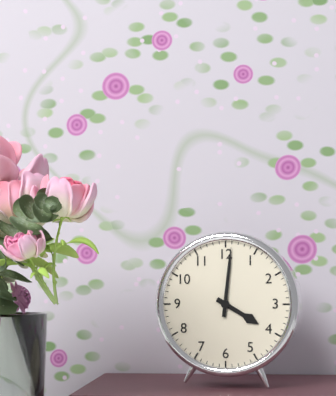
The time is 4:01
